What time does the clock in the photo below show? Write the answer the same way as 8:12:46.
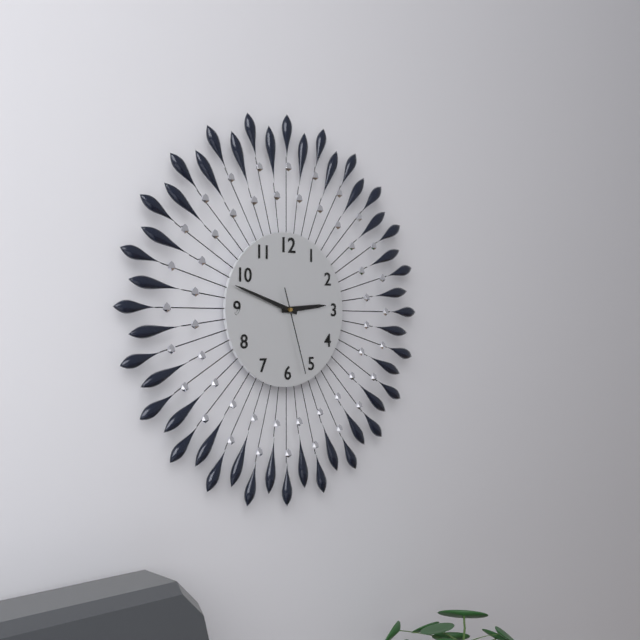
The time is 2:48:27
